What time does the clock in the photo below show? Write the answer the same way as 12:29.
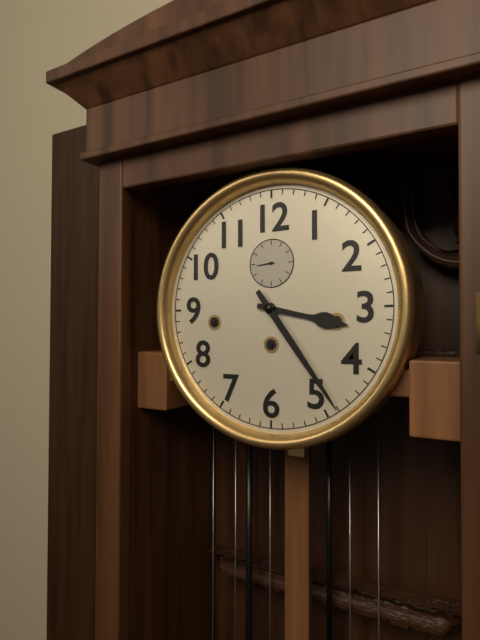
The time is 3:24
